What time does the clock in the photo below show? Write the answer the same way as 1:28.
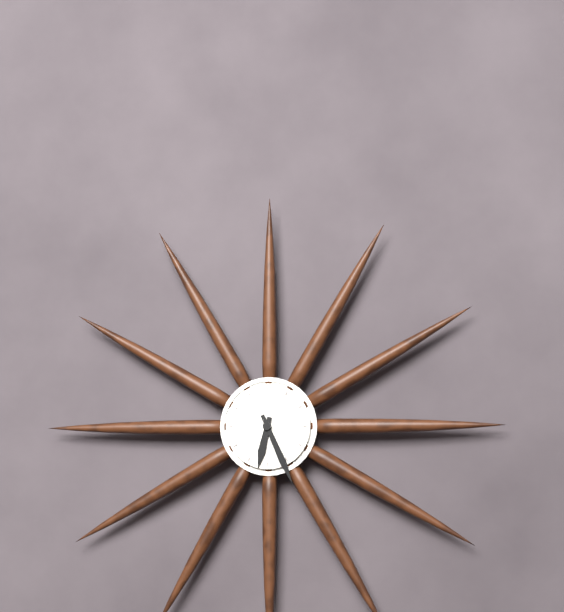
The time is 6:26
